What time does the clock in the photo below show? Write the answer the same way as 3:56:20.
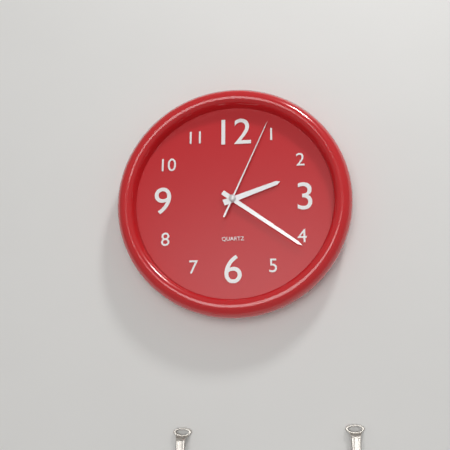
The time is 2:21:04
